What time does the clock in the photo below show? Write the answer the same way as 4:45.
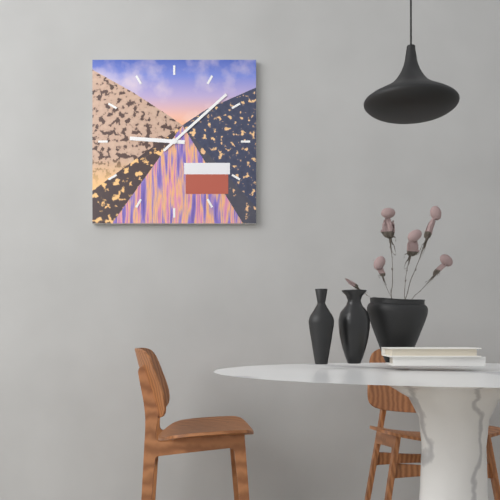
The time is 9:08
